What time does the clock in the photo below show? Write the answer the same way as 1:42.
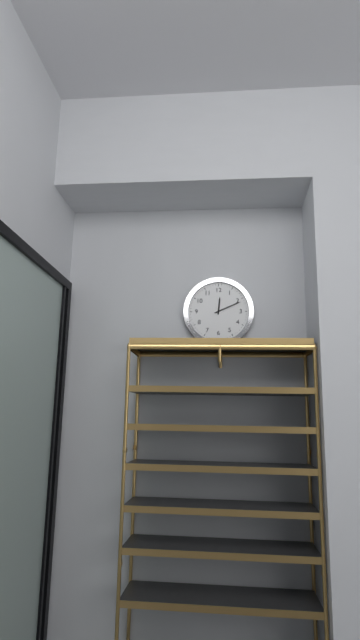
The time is 12:11
